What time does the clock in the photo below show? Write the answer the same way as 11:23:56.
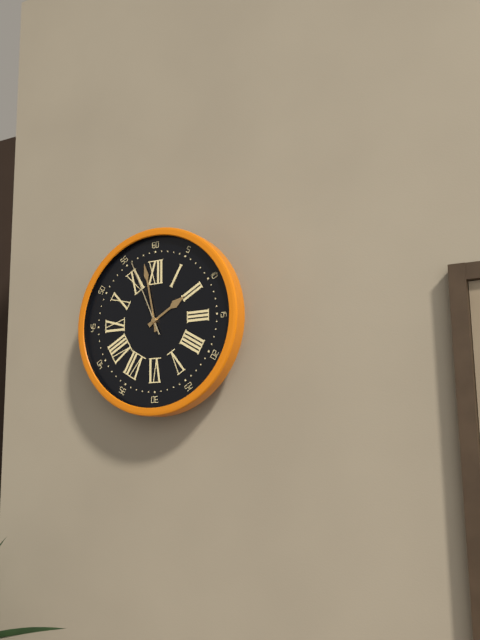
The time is 1:58:56
